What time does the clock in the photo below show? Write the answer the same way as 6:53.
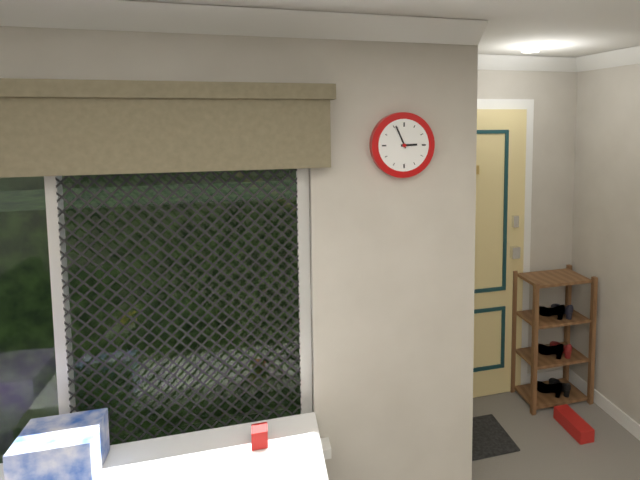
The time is 2:56
